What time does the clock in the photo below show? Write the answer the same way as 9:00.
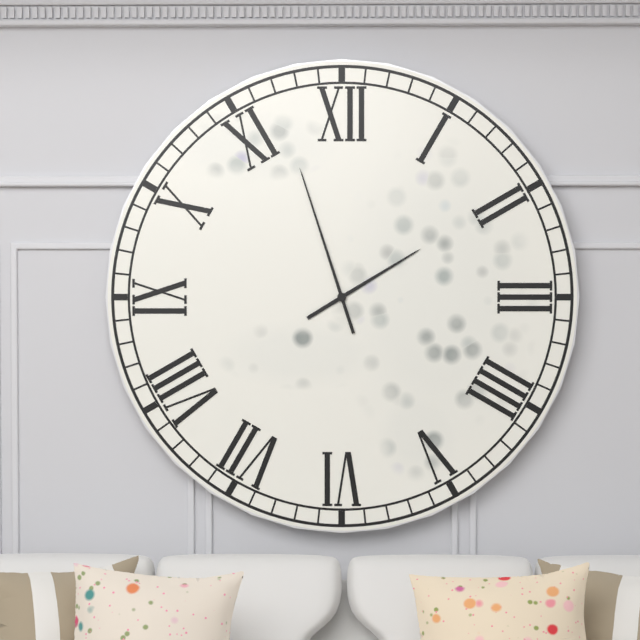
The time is 1:57
